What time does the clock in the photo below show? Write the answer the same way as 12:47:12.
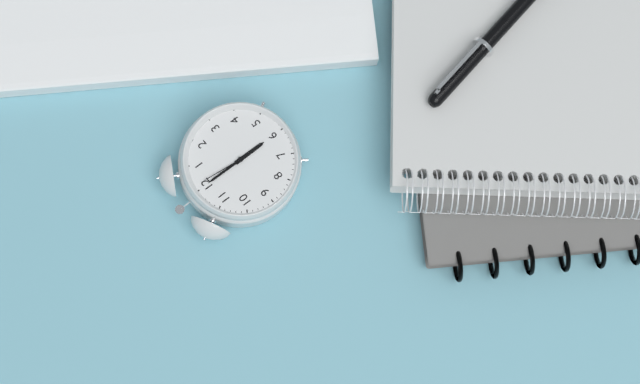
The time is 6:00:01
